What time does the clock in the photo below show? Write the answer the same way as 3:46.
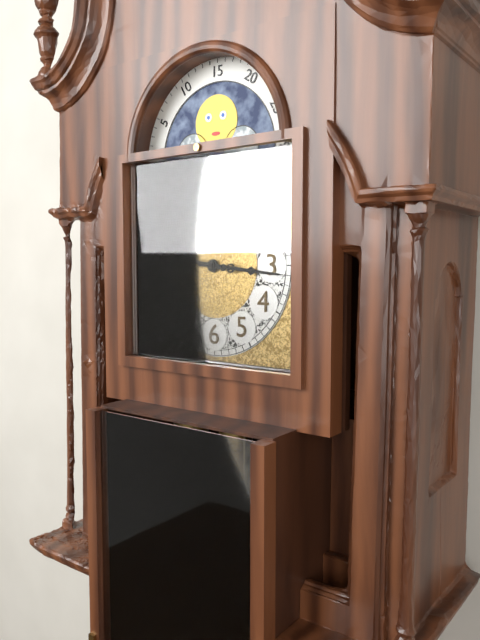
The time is 9:16
